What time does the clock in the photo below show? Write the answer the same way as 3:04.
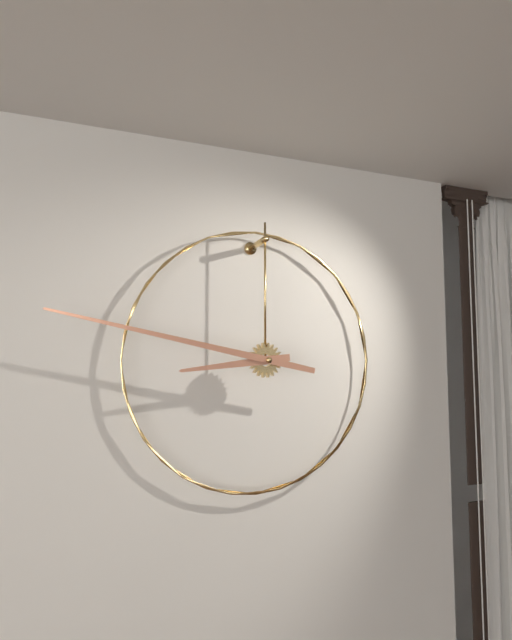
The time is 8:47
